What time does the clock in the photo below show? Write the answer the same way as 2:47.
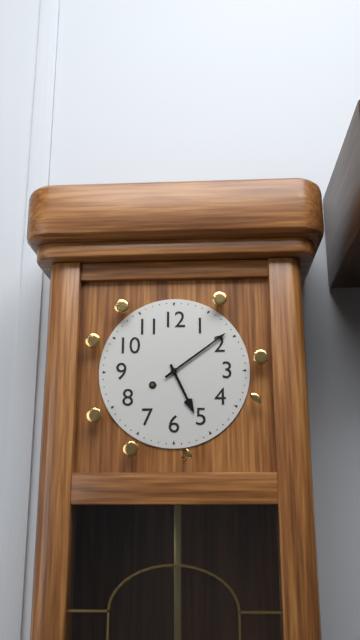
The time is 5:09
